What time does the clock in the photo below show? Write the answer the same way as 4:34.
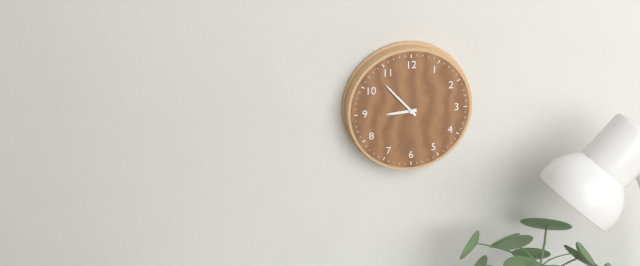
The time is 8:53
